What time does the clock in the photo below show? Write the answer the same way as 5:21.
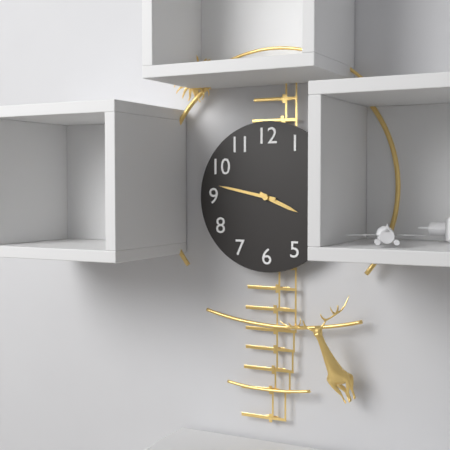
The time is 3:47
